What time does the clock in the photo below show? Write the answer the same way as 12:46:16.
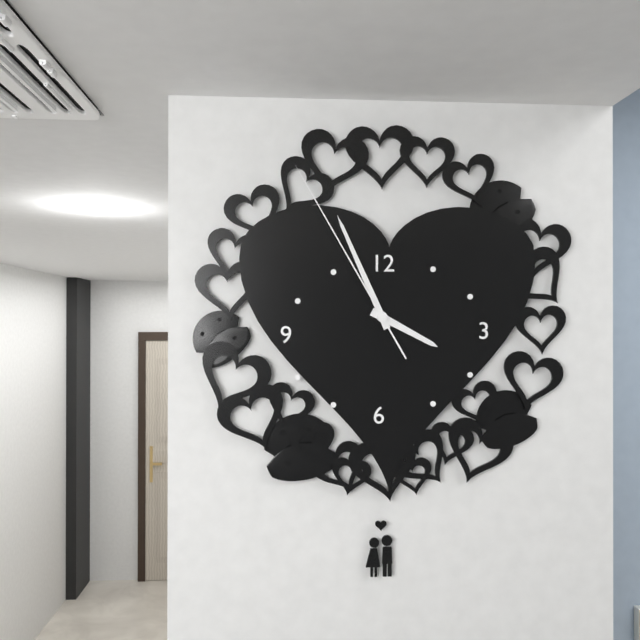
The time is 3:56:55
